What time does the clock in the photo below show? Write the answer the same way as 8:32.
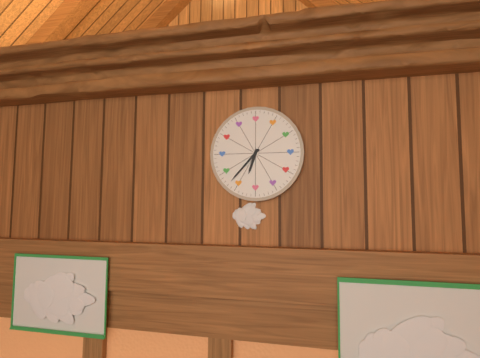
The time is 6:37
